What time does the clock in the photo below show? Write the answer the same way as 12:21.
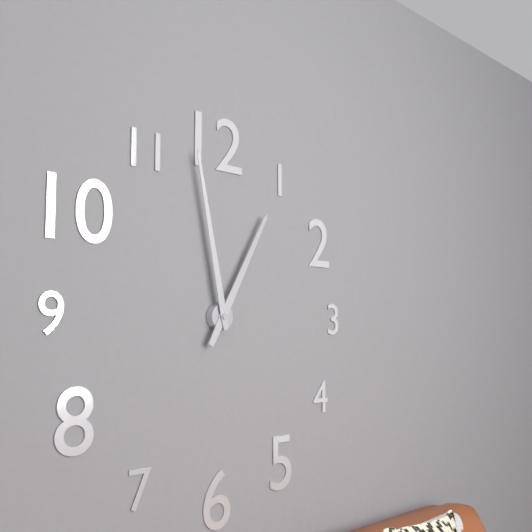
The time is 12:58
